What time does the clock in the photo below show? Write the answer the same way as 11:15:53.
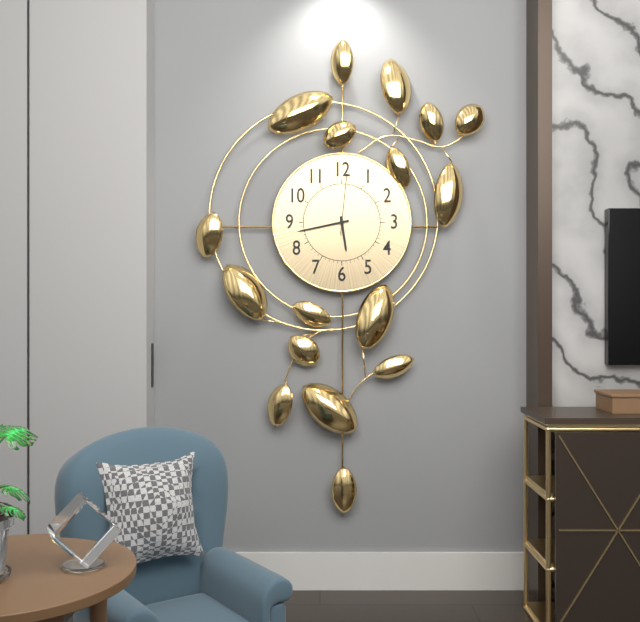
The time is 5:43:01
